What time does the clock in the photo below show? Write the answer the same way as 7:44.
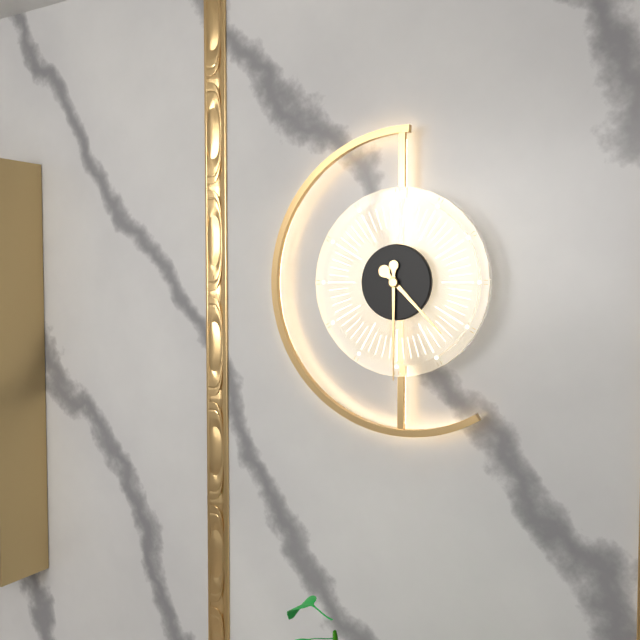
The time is 4:30
